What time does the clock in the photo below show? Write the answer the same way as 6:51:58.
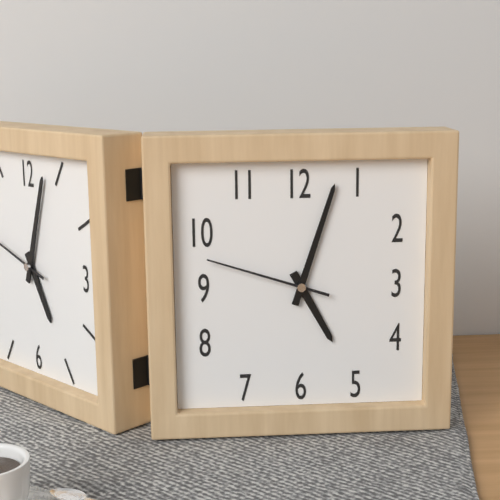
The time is 5:03:48
